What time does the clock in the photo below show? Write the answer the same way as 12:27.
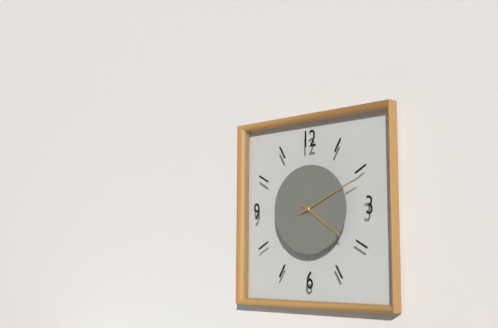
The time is 4:11
